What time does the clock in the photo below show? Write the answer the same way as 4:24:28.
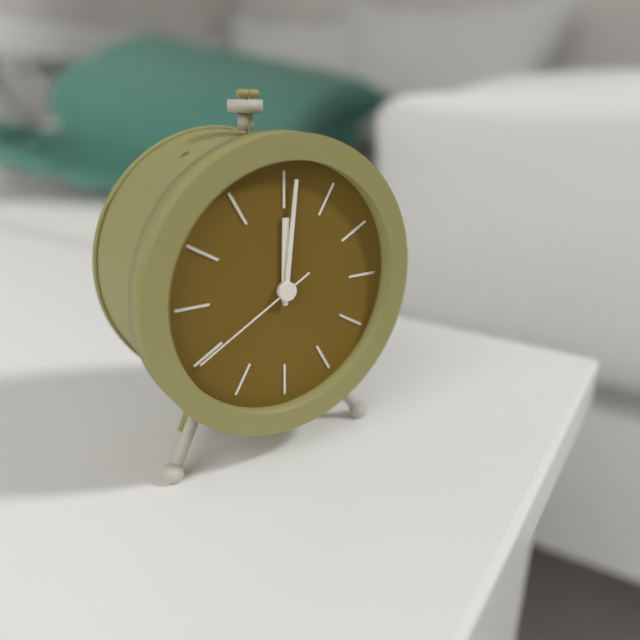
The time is 12:01:40
